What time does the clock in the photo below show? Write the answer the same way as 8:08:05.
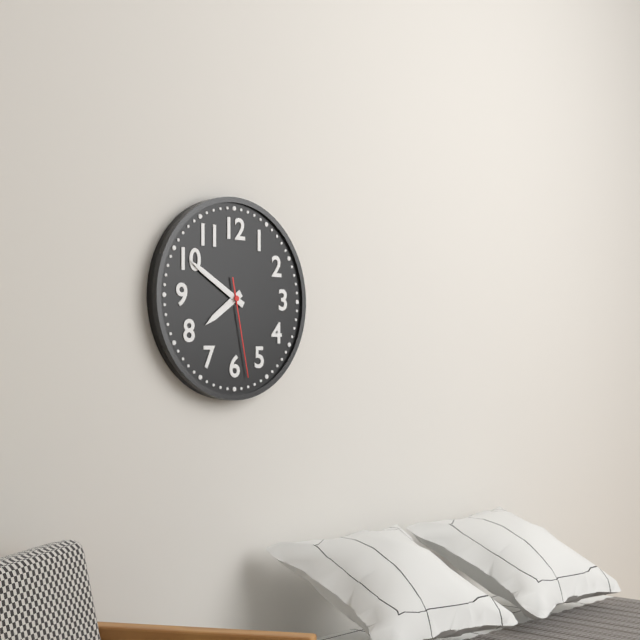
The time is 7:50:28
